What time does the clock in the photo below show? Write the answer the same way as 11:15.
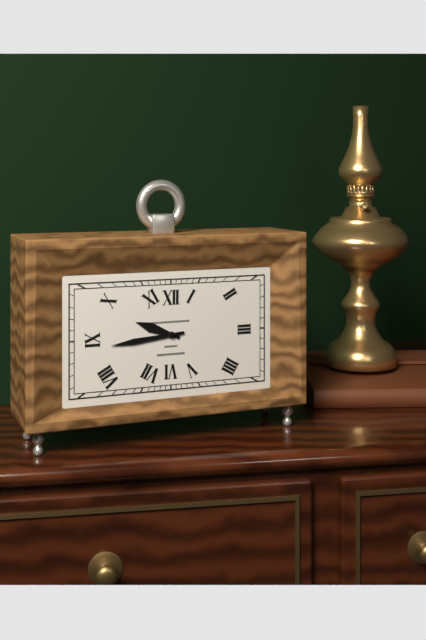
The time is 9:44
